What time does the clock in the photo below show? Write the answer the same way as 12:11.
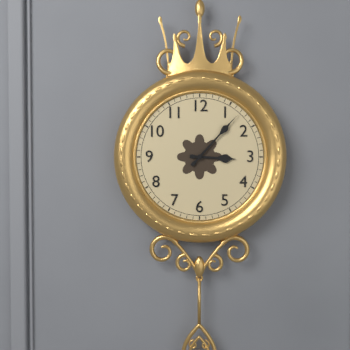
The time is 3:07
